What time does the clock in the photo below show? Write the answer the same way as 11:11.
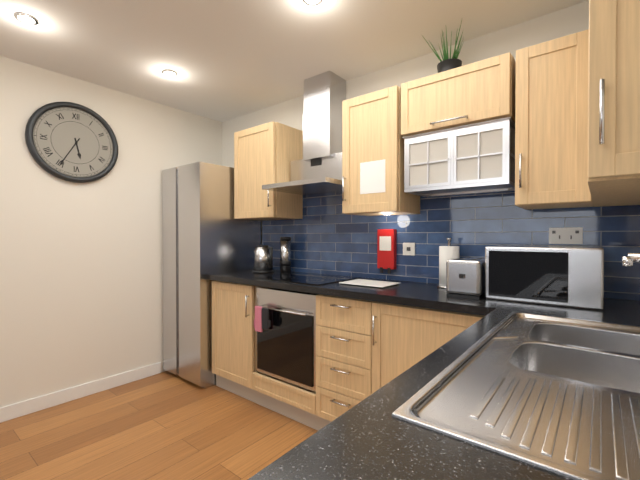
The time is 5:35
